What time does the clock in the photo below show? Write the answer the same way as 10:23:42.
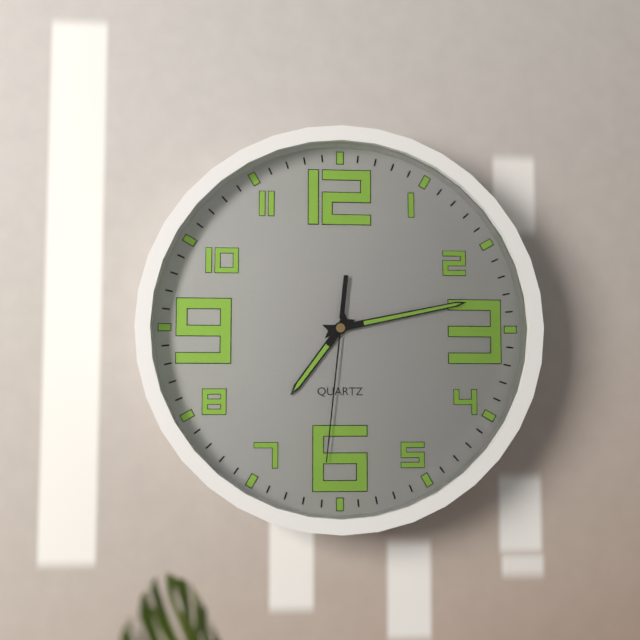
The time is 7:13:31
